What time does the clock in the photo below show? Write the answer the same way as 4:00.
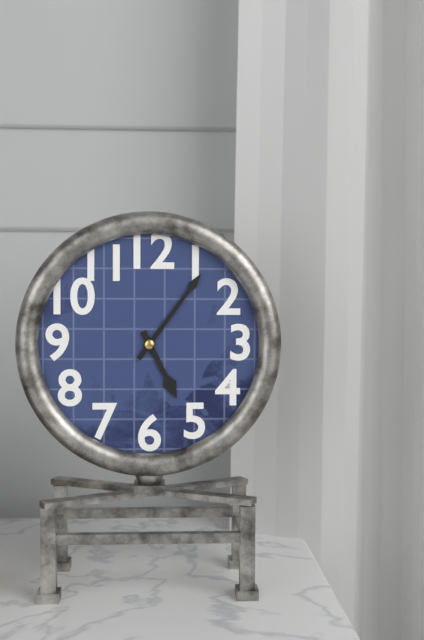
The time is 5:06
